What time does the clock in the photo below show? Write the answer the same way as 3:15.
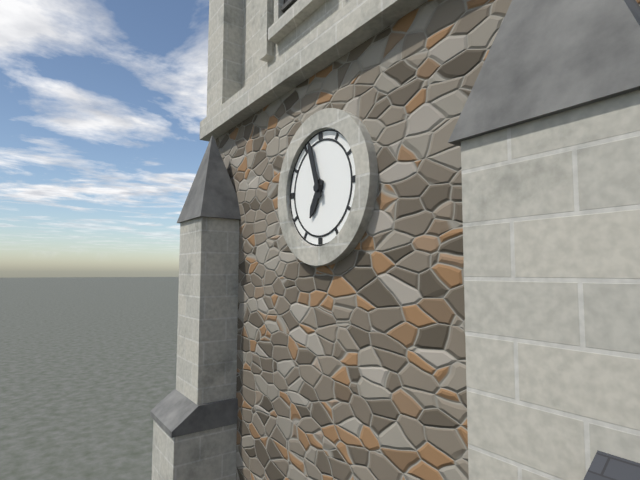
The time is 6:57
